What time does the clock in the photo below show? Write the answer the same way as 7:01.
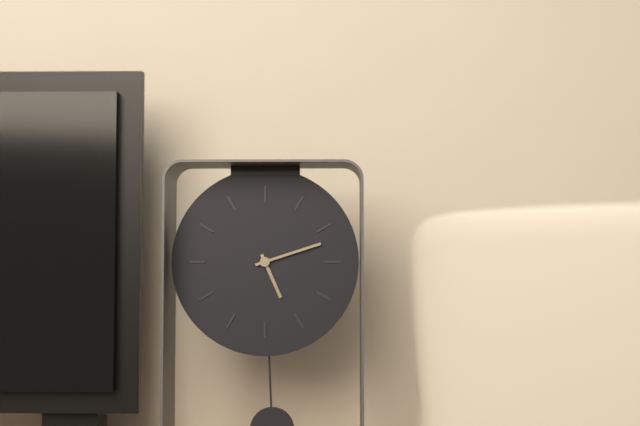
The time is 5:12
